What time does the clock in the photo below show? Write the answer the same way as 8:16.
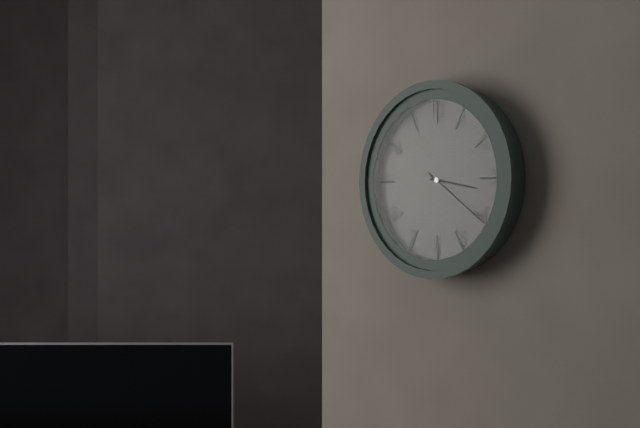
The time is 3:21
